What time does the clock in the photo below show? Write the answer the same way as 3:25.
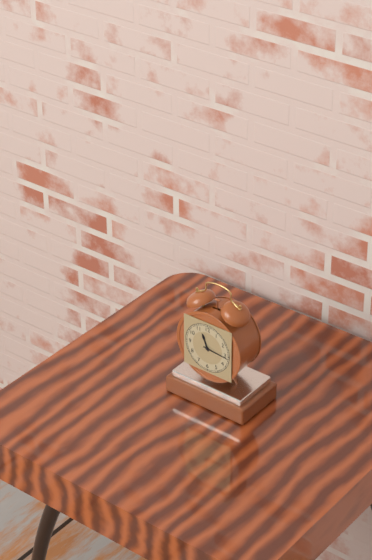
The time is 11:16
